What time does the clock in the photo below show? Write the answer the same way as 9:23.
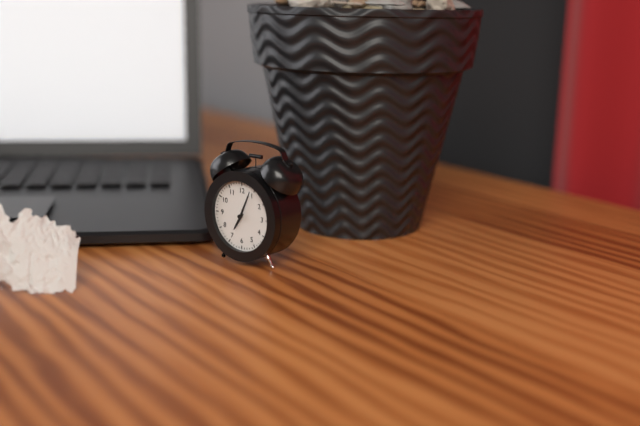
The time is 7:04
